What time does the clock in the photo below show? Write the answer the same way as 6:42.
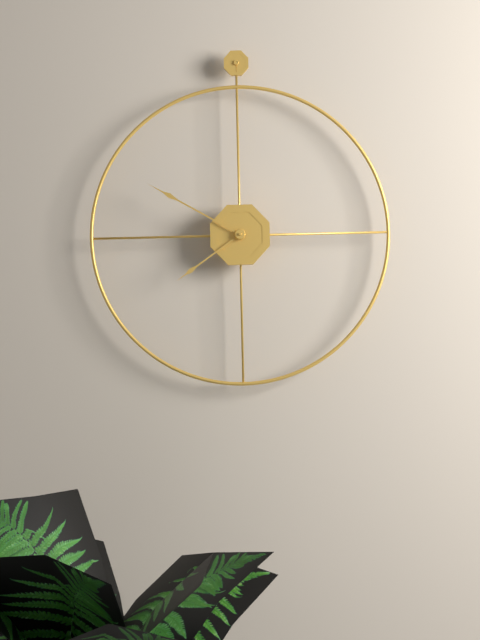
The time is 7:50
